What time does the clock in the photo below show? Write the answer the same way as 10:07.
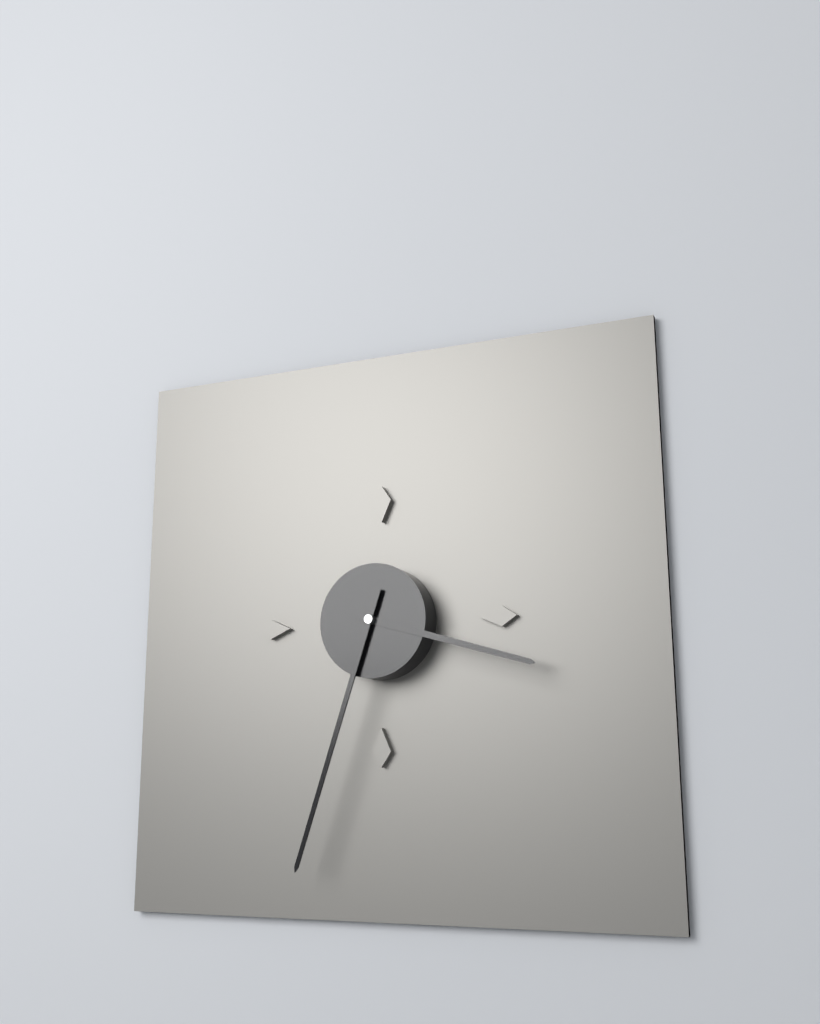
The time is 3:33
